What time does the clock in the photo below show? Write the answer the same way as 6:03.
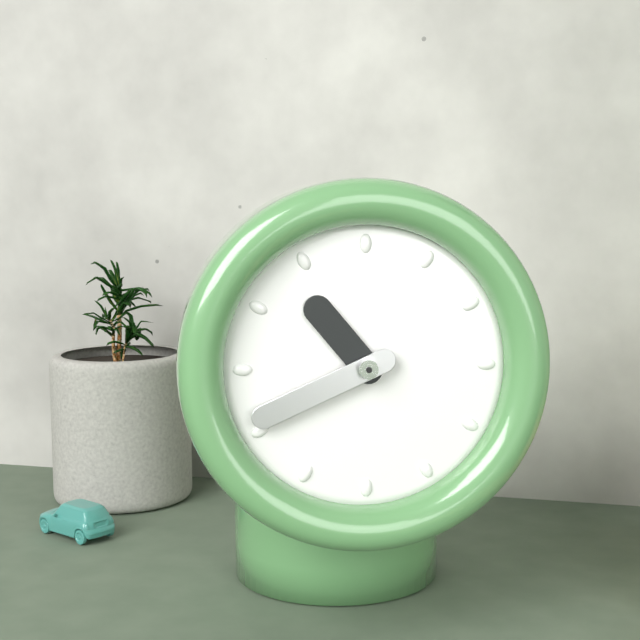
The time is 10:41
